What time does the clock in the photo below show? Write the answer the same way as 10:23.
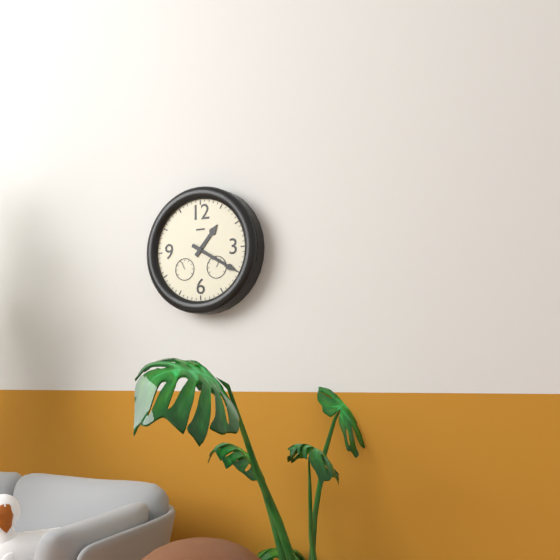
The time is 1:20
